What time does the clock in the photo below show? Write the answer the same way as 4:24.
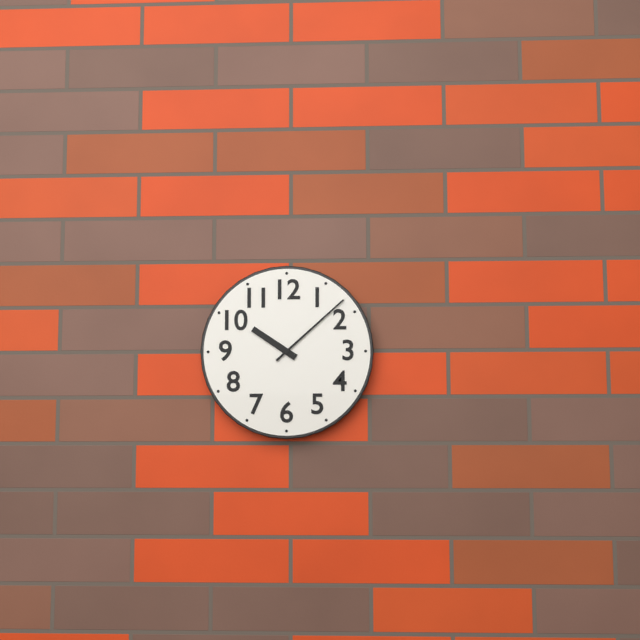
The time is 10:08
